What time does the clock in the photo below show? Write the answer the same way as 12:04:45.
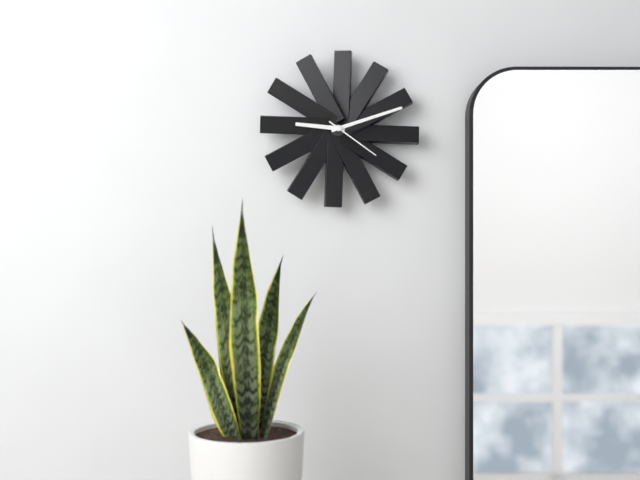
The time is 9:12:21
